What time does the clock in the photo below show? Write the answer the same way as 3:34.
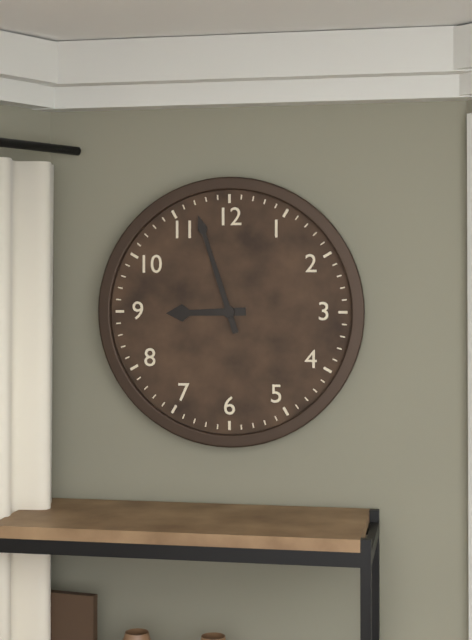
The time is 8:57
